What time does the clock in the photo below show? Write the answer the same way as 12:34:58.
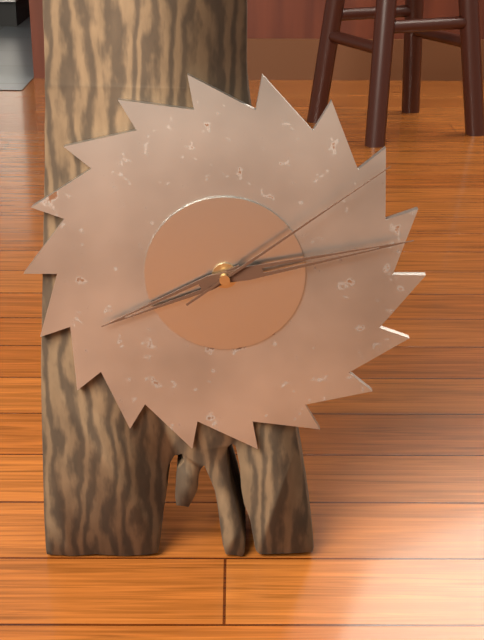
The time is 8:13:09
